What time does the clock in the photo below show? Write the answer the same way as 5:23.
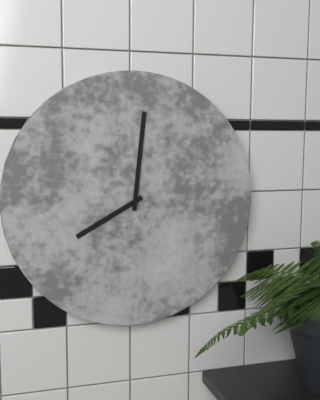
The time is 8:01
